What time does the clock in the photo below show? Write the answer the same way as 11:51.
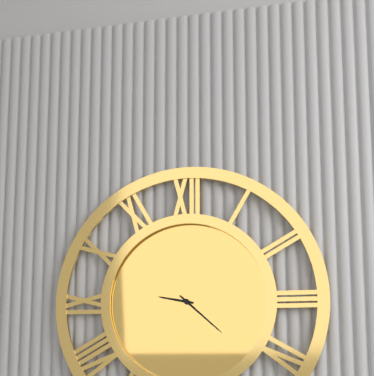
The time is 9:22
